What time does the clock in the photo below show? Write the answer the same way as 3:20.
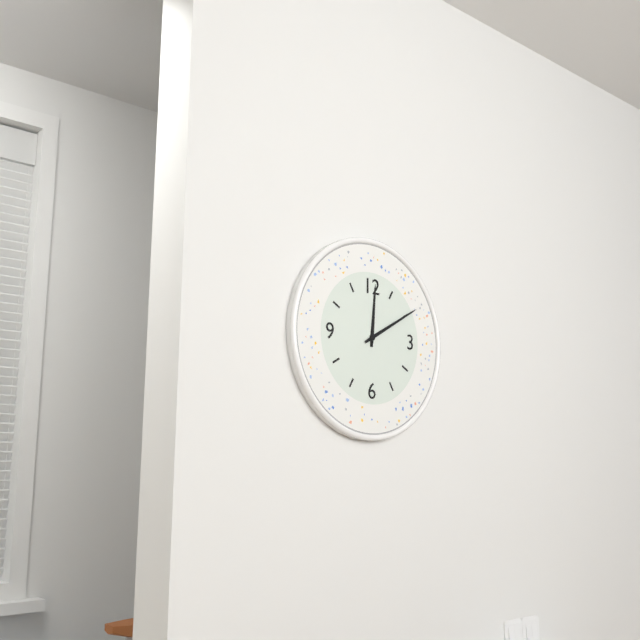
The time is 12:10
